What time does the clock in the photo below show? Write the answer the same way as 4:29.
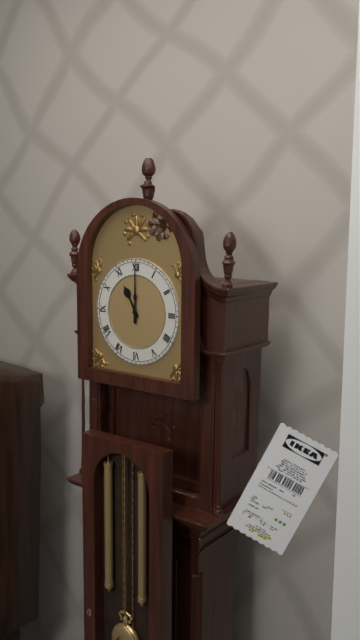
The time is 11:00
